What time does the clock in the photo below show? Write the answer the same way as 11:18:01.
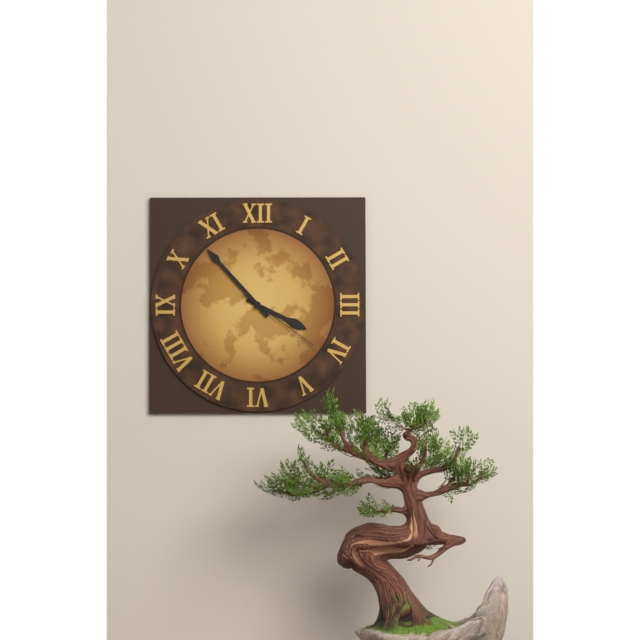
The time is 3:53:21
